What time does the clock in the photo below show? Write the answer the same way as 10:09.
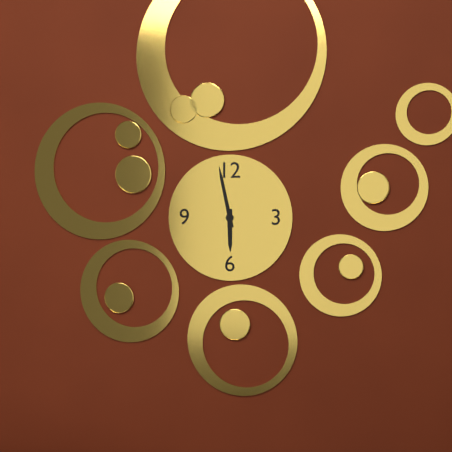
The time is 5:58
